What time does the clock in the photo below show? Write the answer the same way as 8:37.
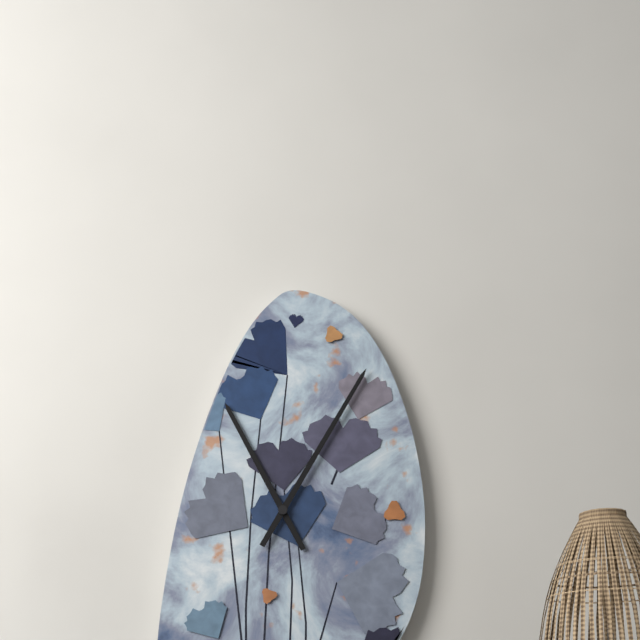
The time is 11:05
